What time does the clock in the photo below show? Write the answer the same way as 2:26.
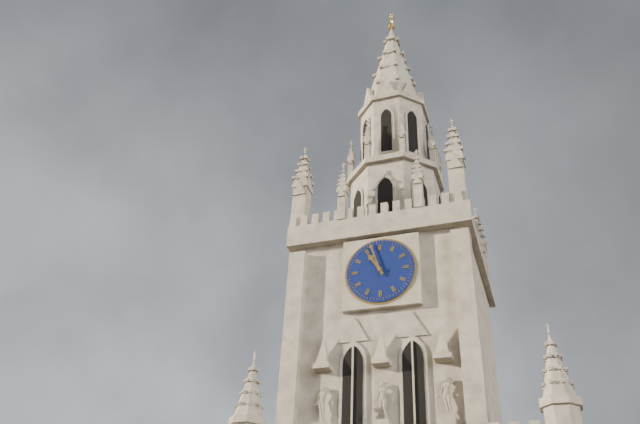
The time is 10:57
